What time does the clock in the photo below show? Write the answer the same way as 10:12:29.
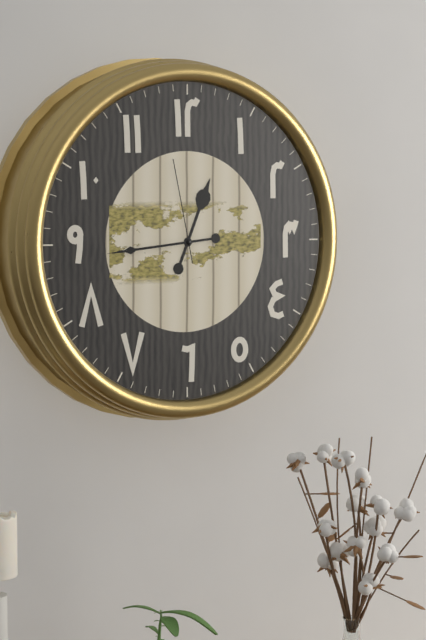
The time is 12:44:58
